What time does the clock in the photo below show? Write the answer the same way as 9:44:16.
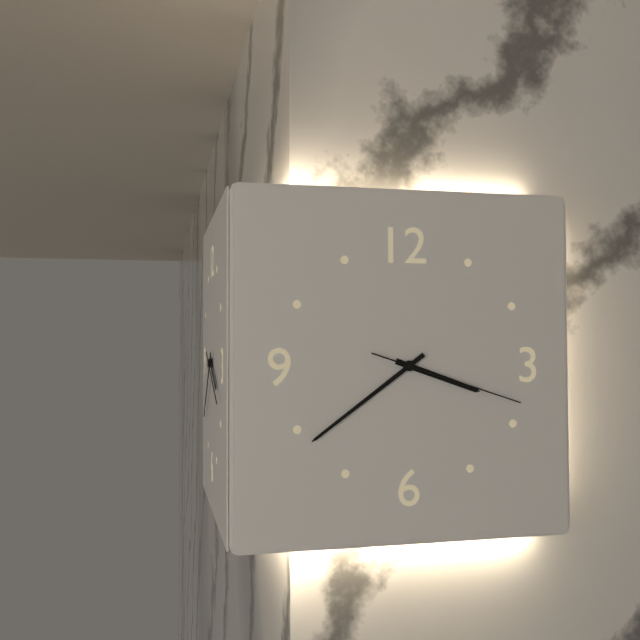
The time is 3:39:18
